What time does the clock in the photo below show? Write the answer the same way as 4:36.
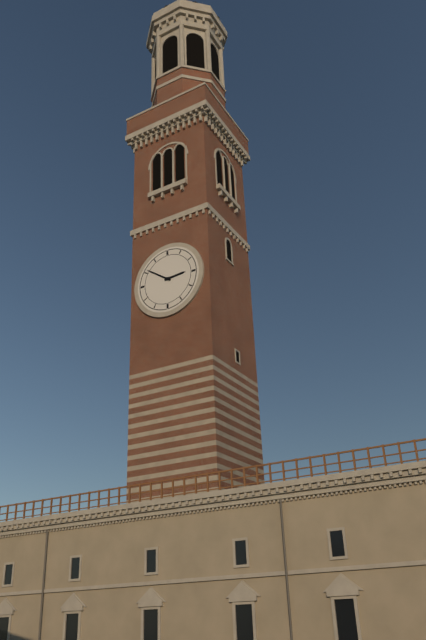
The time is 2:51
